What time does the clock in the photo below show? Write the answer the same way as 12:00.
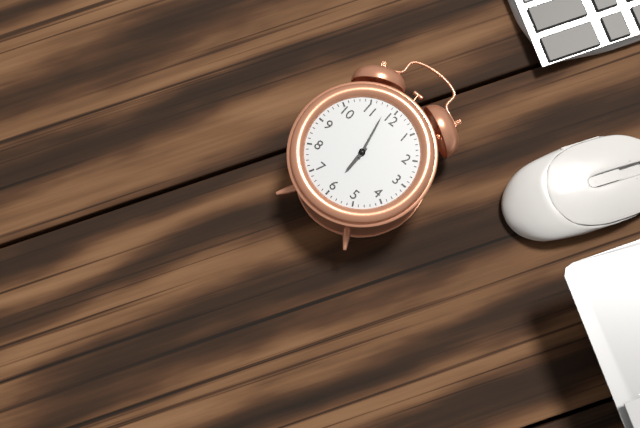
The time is 5:58
